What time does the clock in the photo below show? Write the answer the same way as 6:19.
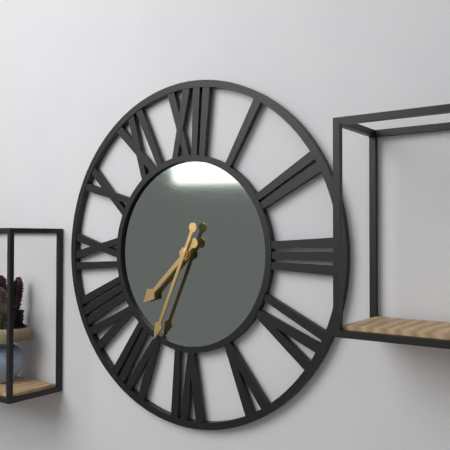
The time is 7:34
